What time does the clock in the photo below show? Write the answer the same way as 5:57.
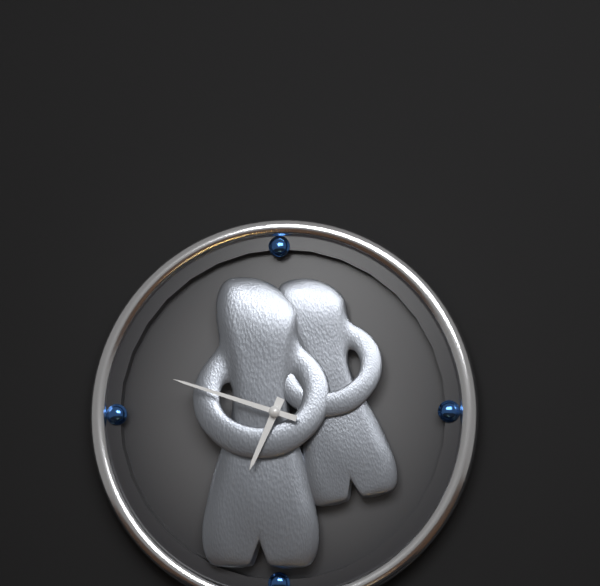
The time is 6:48
